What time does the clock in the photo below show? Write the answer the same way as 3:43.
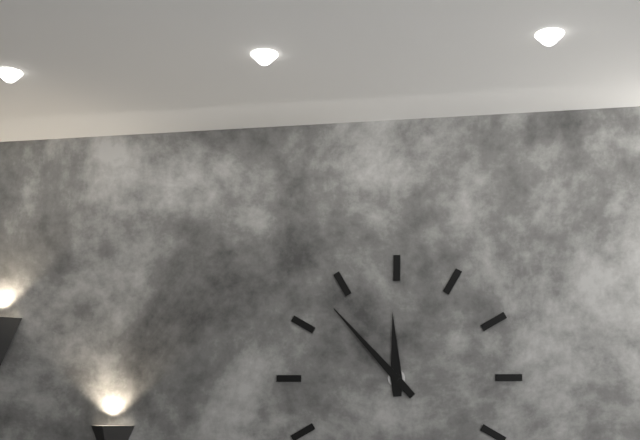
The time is 11:53
